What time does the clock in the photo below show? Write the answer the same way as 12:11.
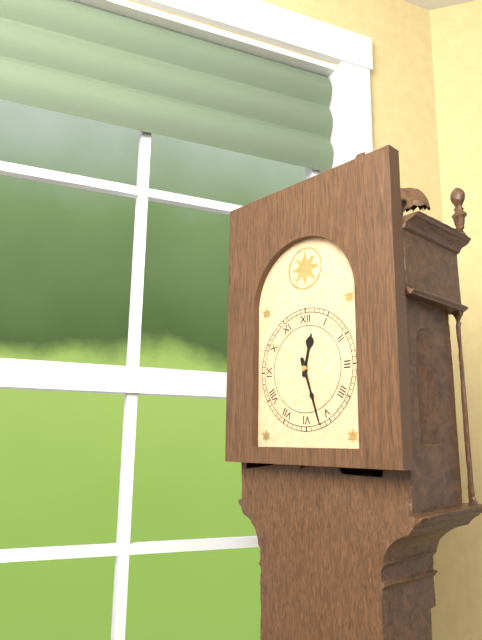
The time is 12:27
